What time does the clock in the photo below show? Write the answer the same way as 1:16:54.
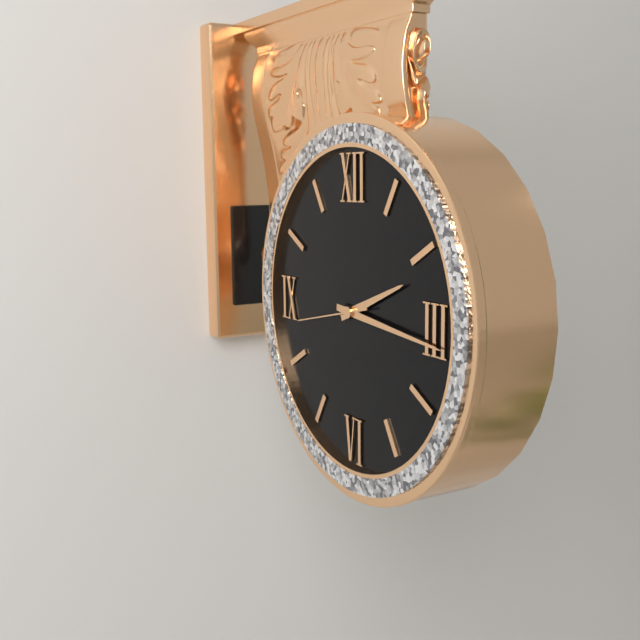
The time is 2:16:43
